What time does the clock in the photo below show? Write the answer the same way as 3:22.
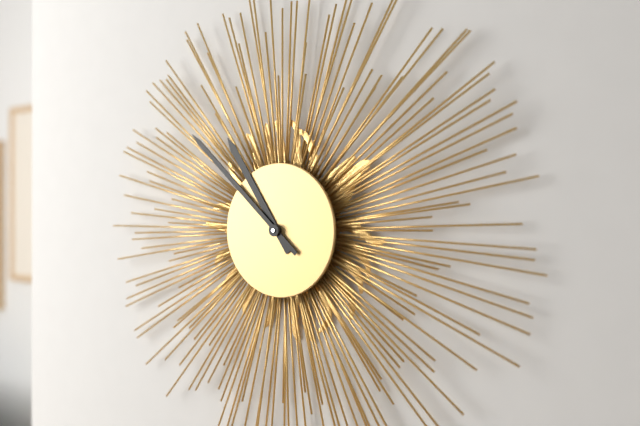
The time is 10:52
